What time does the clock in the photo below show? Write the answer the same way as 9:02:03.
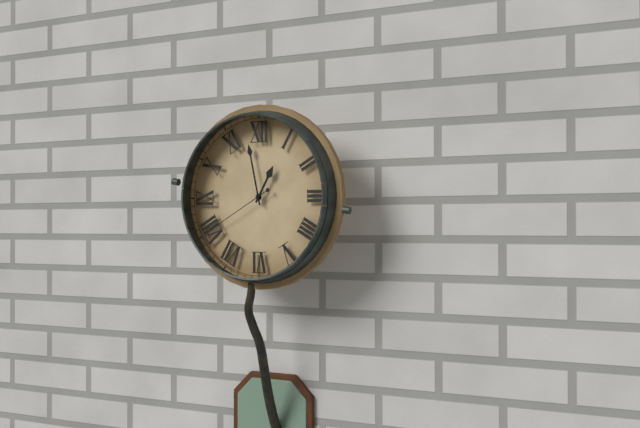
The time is 12:58:40
